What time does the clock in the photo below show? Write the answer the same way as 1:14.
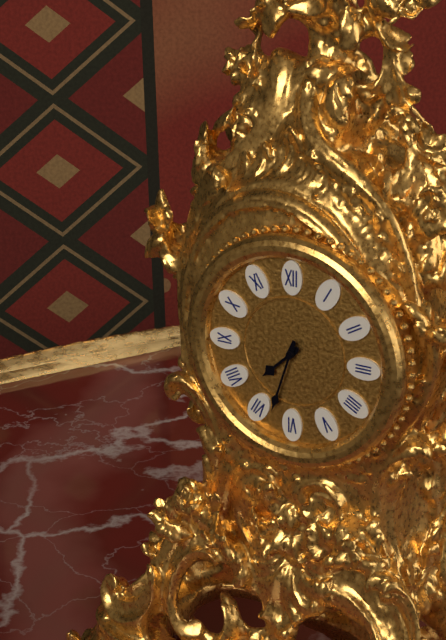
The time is 7:33
